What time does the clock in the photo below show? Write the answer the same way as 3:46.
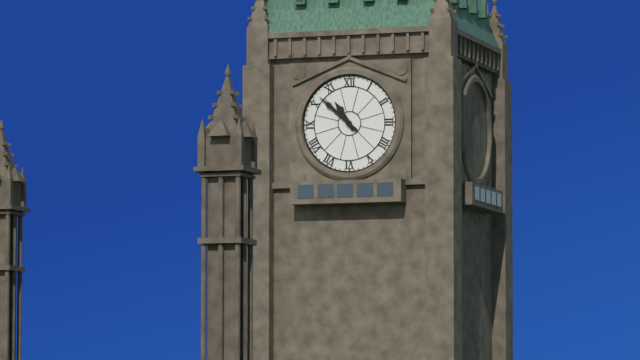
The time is 10:52
